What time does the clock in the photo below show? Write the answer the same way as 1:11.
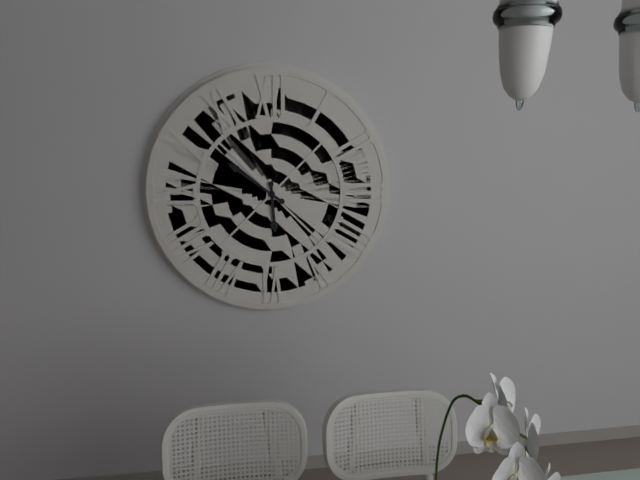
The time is 5:51
